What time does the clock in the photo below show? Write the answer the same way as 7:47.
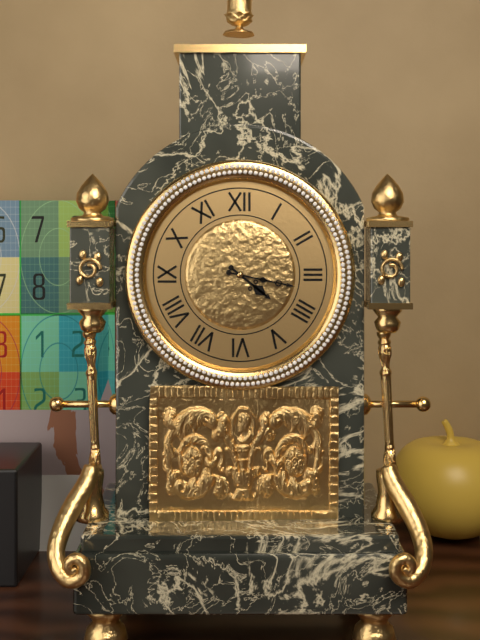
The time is 4:17
